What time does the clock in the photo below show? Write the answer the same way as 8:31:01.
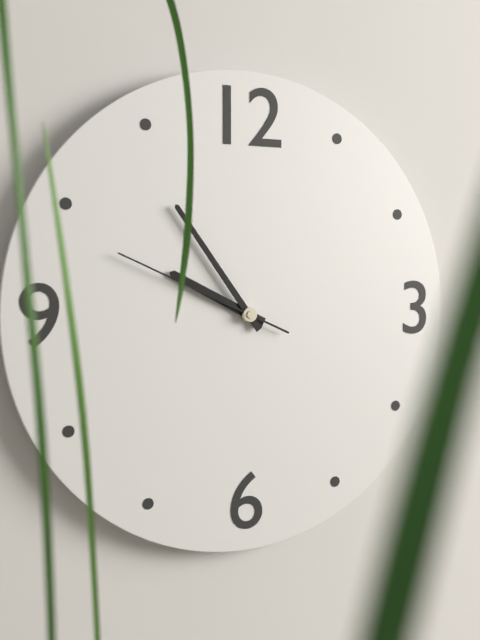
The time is 9:54:49
